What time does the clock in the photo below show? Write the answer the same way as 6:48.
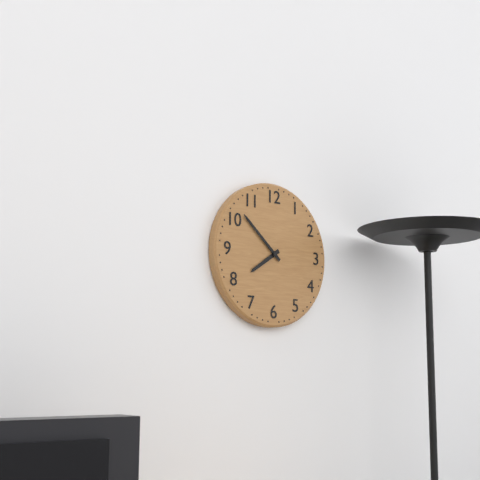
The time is 7:52
